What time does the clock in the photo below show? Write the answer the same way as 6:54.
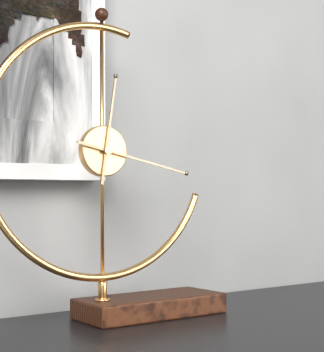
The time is 12:17
